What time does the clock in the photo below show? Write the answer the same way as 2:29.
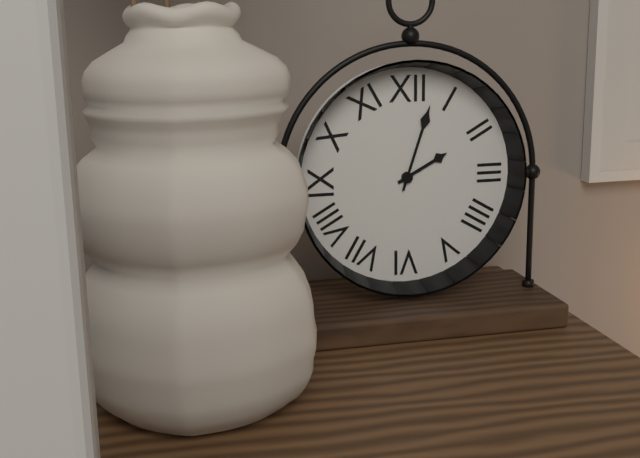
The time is 2:03
